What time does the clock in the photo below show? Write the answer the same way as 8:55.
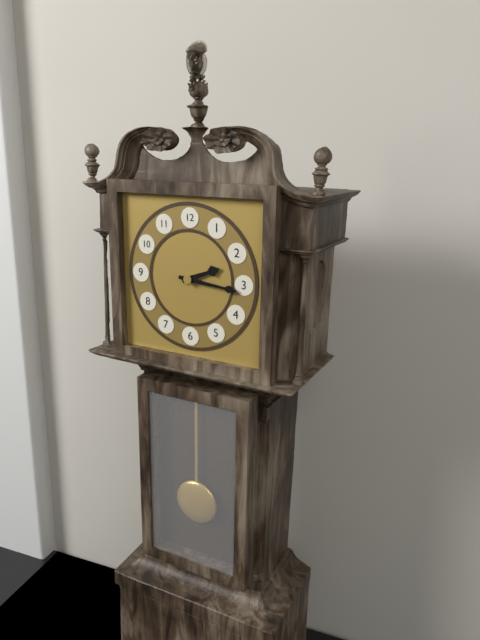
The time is 2:16
